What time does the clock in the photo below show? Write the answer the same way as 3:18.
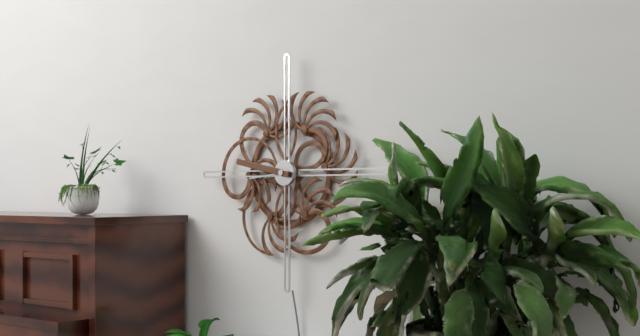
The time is 8:47
